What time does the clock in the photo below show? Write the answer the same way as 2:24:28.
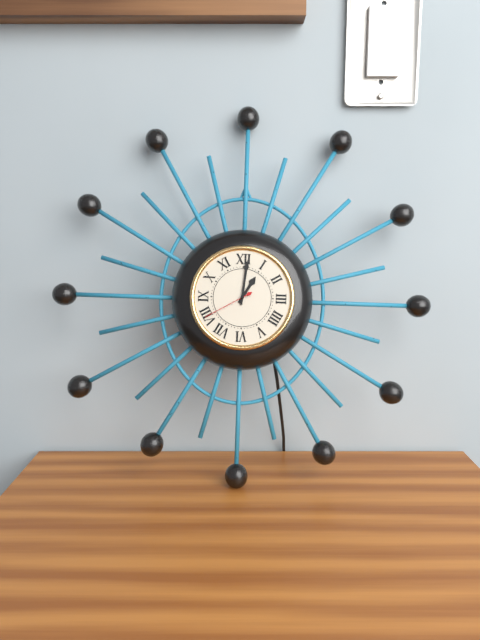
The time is 1:01:40
